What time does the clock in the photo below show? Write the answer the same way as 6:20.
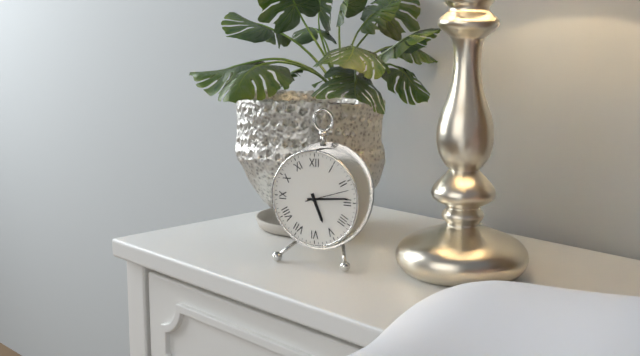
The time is 5:14
